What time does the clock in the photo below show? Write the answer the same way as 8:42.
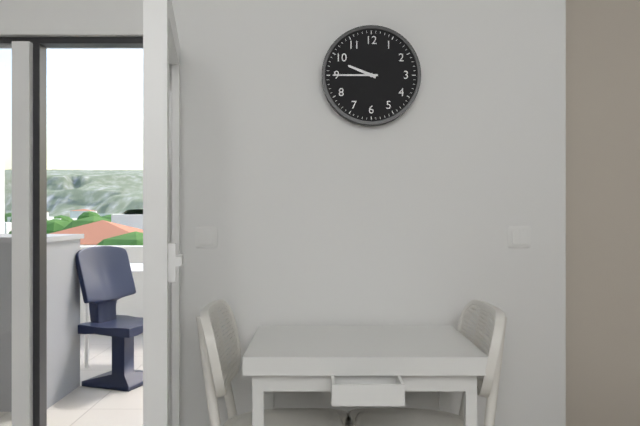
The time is 9:45
